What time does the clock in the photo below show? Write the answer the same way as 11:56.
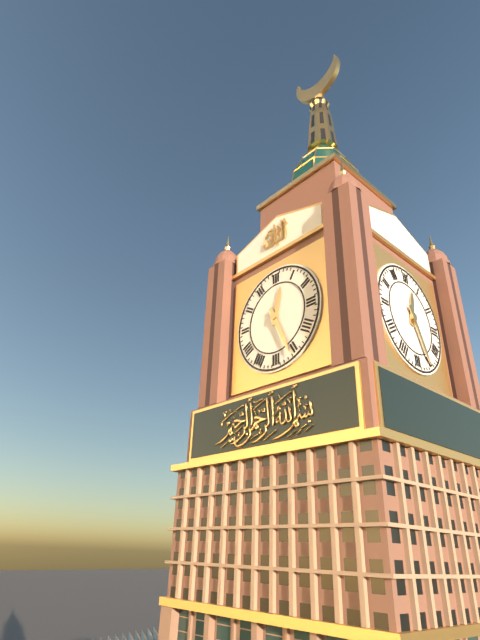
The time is 12:26
